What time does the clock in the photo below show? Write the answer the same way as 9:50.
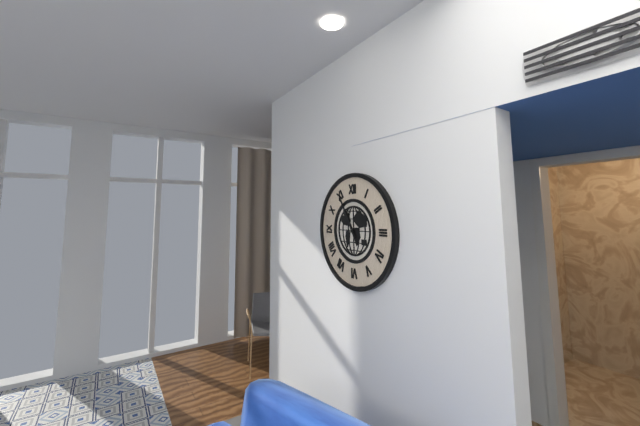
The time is 10:55
